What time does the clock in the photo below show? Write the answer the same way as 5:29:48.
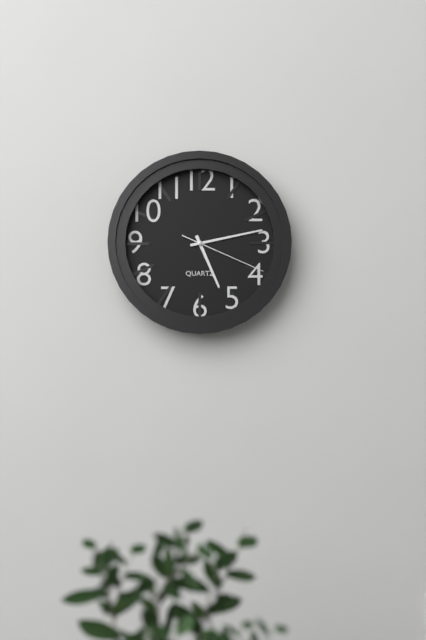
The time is 5:13:19
